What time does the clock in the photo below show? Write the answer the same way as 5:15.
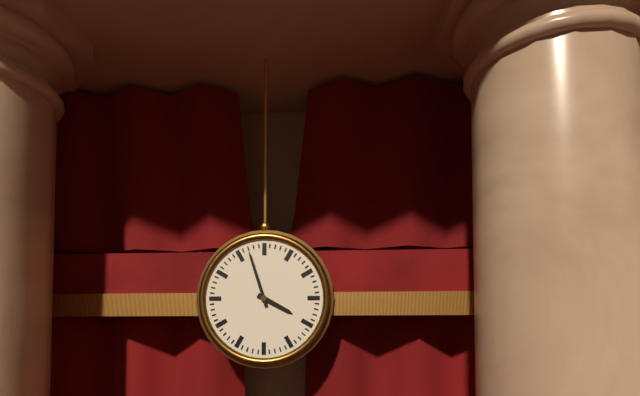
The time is 3:57
